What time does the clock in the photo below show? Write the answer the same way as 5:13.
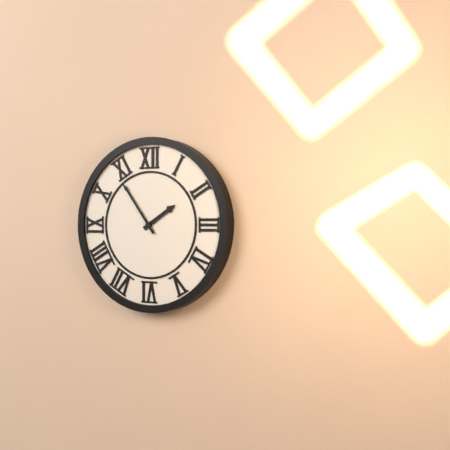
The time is 1:54
